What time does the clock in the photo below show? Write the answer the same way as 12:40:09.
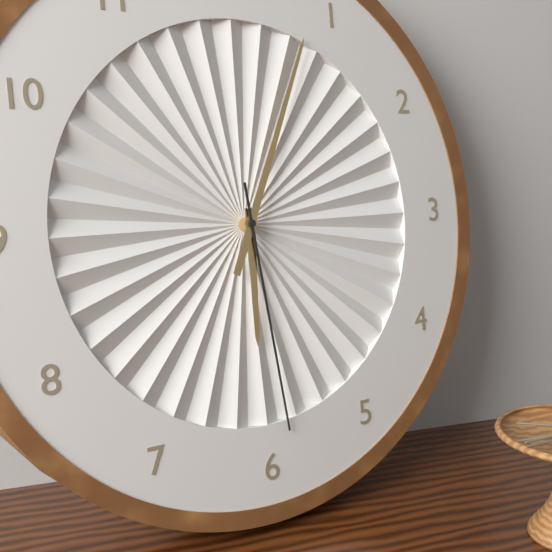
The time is 6:04:29
